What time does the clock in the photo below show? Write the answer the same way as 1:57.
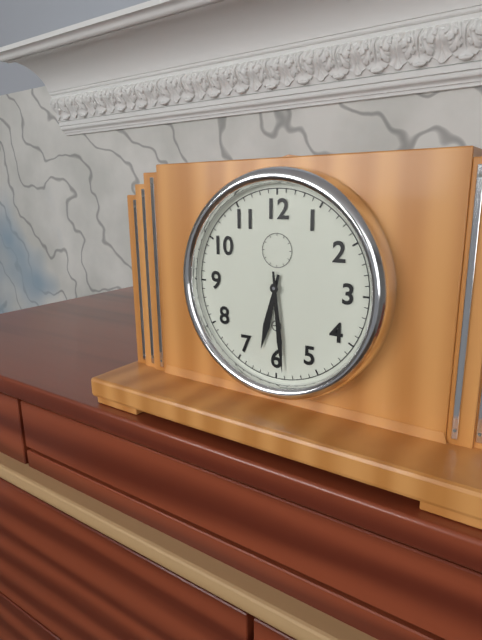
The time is 6:29
